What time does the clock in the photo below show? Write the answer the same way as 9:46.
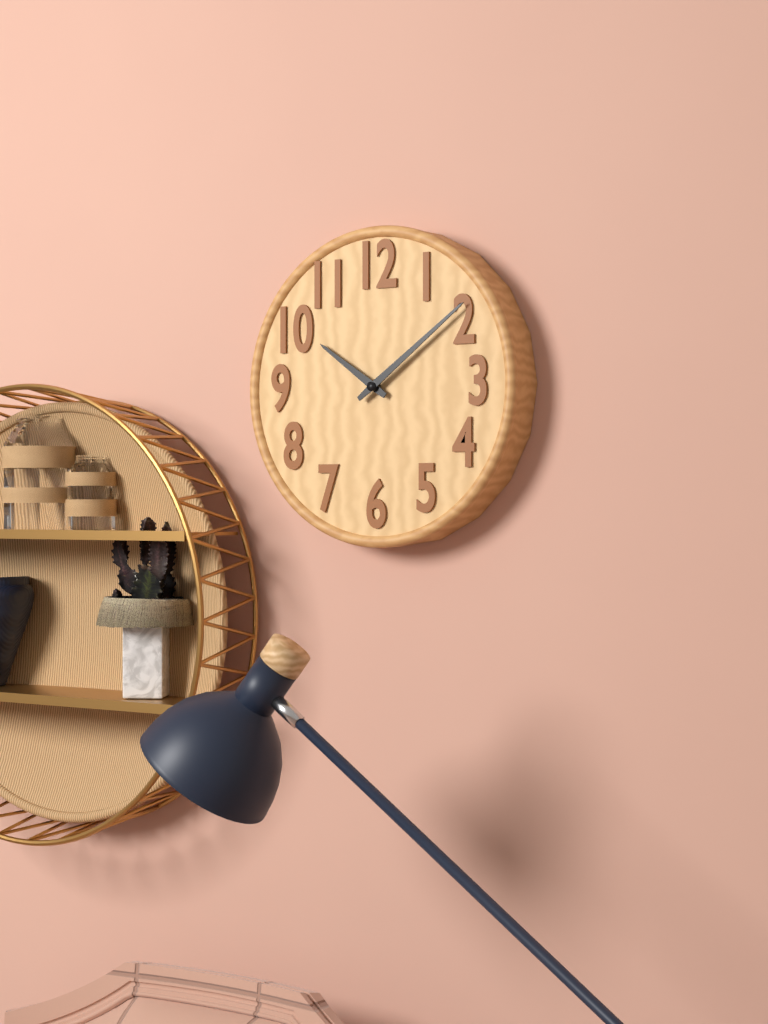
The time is 10:09
